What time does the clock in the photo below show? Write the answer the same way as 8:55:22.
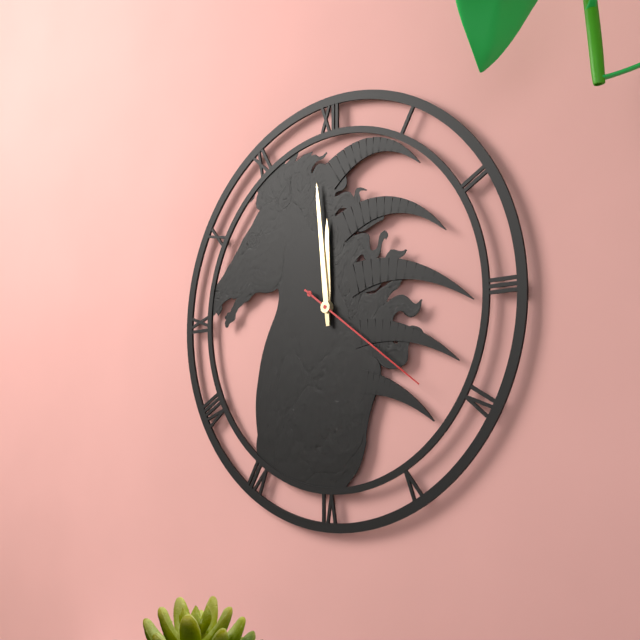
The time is 11:59:21
